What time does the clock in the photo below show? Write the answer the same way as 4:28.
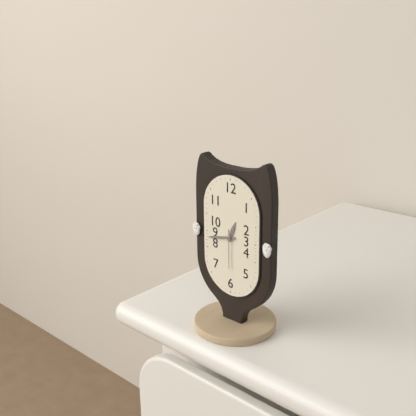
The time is 12:43
